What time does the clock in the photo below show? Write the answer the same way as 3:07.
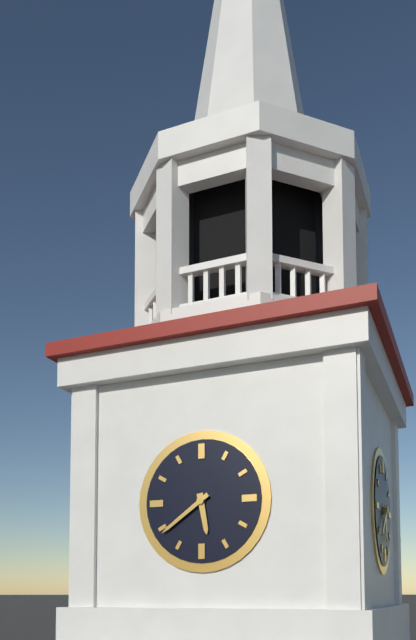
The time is 5:39
